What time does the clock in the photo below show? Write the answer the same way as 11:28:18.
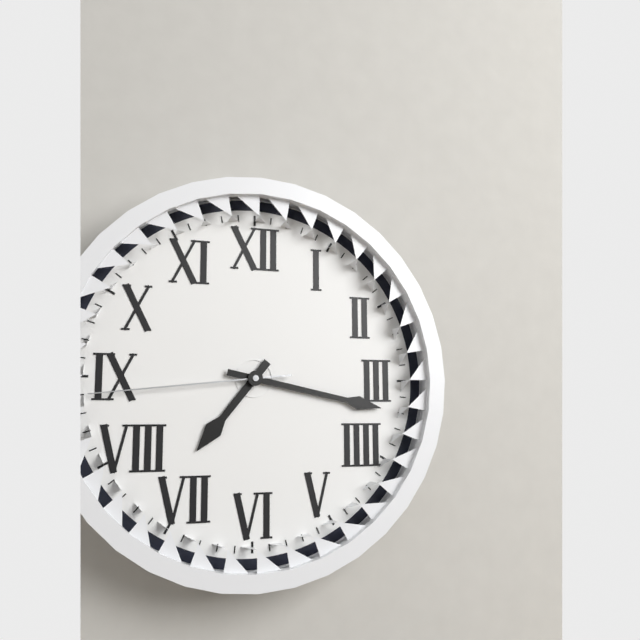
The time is 7:17:44
